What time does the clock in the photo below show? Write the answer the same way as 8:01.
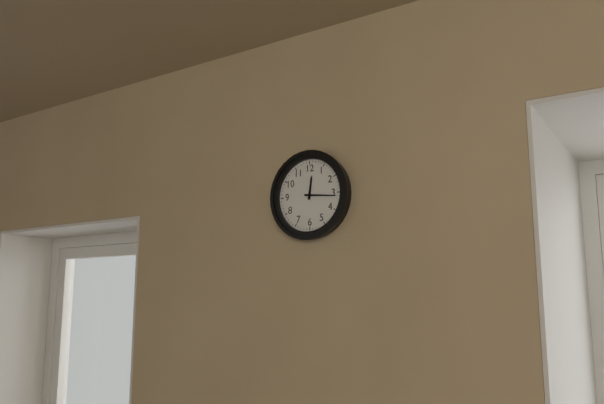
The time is 12:16
